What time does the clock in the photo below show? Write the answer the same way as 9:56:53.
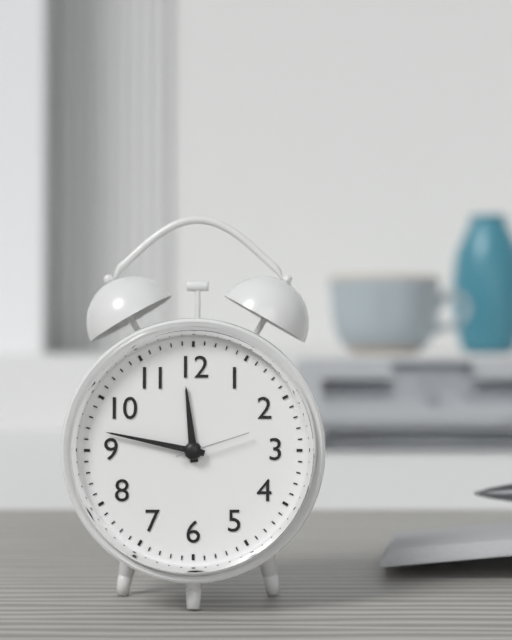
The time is 11:47:12
